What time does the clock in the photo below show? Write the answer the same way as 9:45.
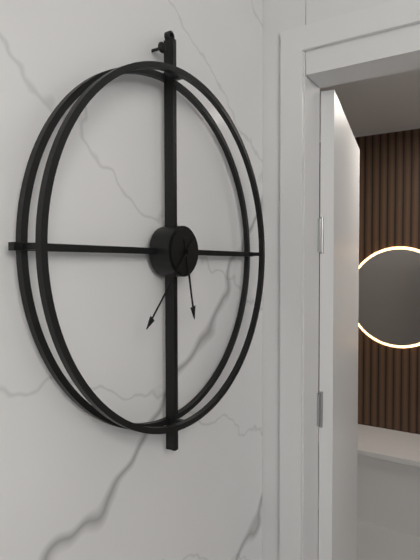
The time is 5:37
